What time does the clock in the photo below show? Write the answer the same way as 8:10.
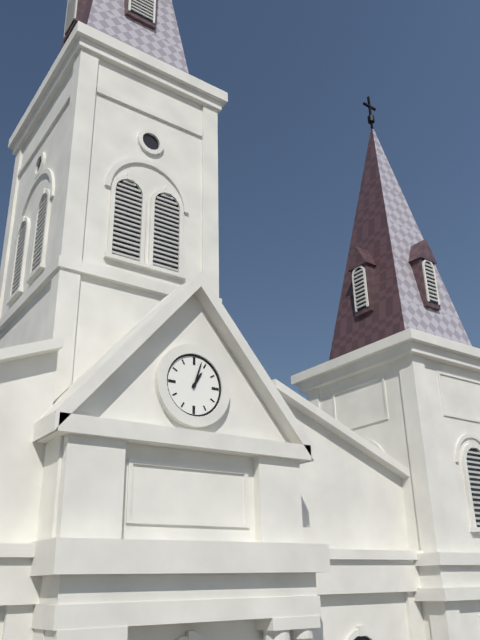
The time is 1:03
